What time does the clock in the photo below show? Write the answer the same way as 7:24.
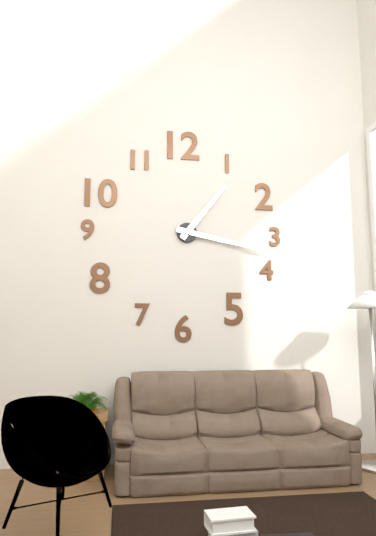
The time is 1:17
